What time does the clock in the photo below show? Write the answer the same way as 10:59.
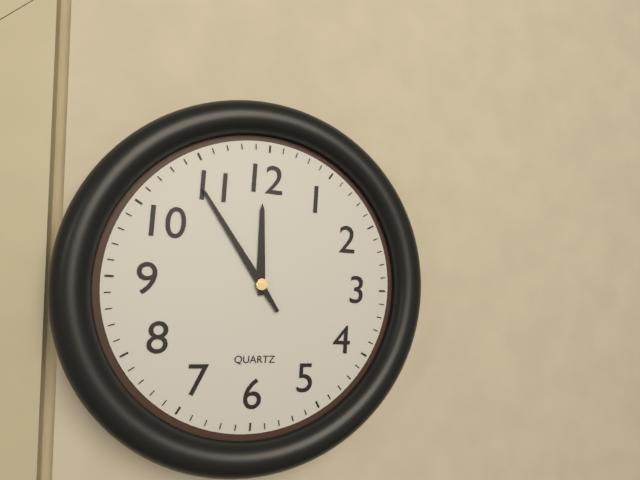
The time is 11:54
